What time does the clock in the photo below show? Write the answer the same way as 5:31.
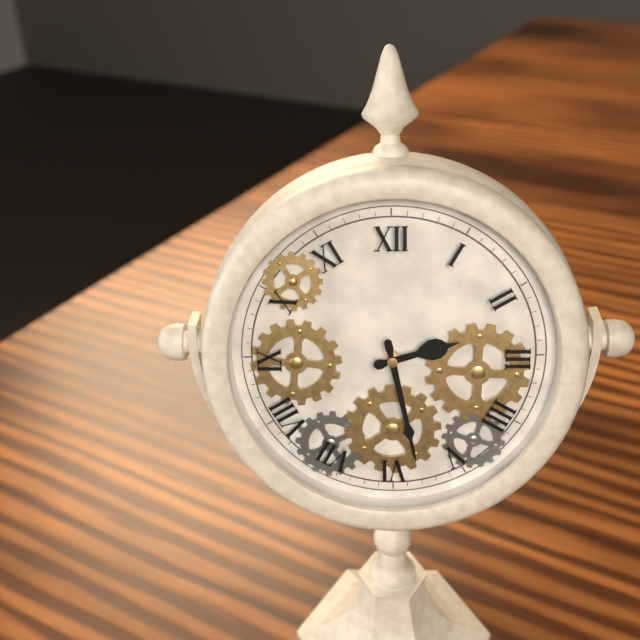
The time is 2:28
